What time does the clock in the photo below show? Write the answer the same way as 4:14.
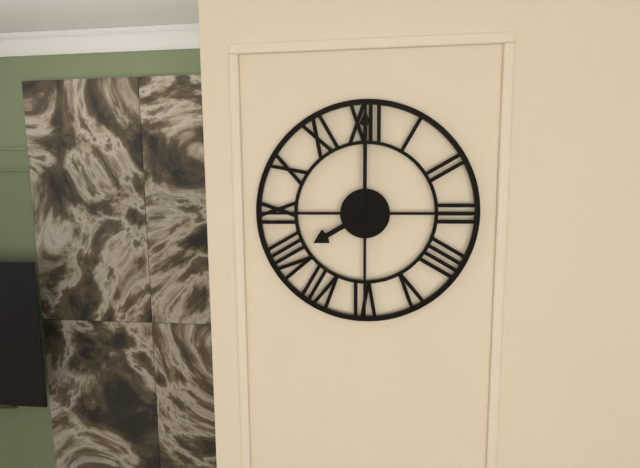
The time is 8:00
